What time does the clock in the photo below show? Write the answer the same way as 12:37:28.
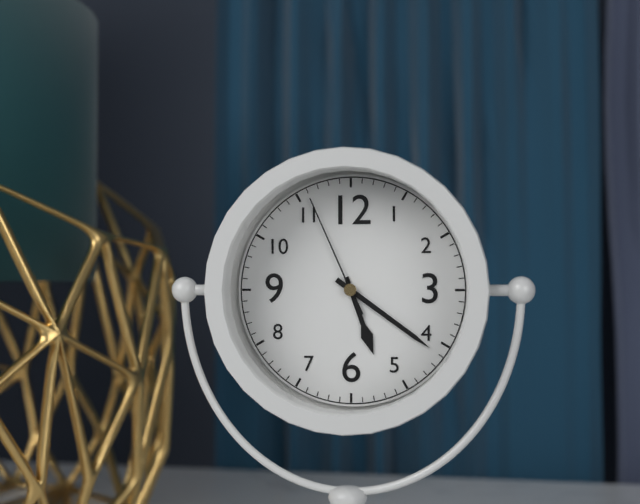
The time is 5:21:56
